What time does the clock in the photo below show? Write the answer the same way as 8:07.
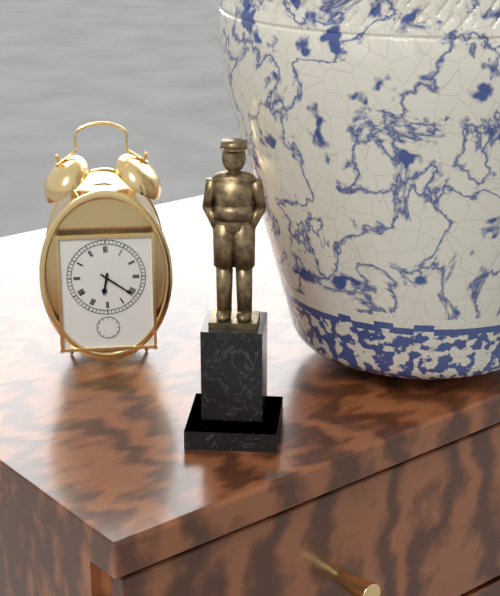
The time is 6:21
